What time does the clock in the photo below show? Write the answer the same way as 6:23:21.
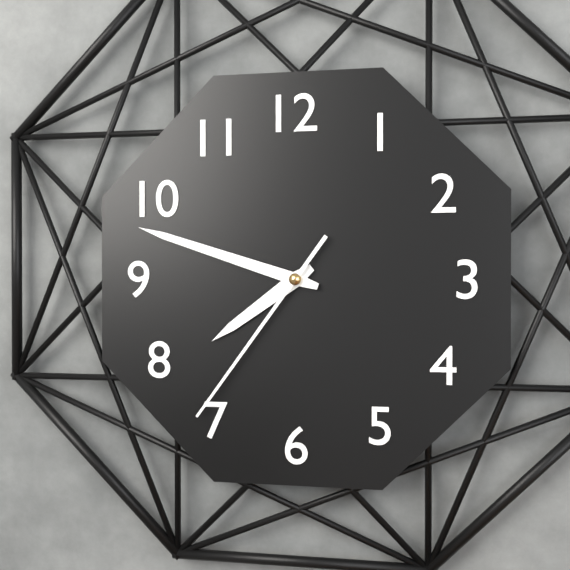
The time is 7:48:36
